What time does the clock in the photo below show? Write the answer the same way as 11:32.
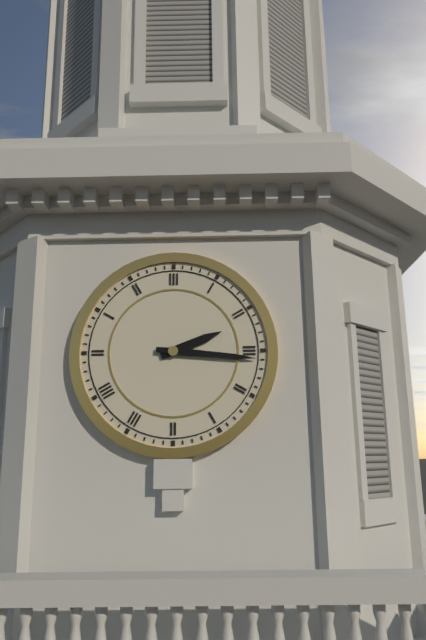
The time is 2:16
